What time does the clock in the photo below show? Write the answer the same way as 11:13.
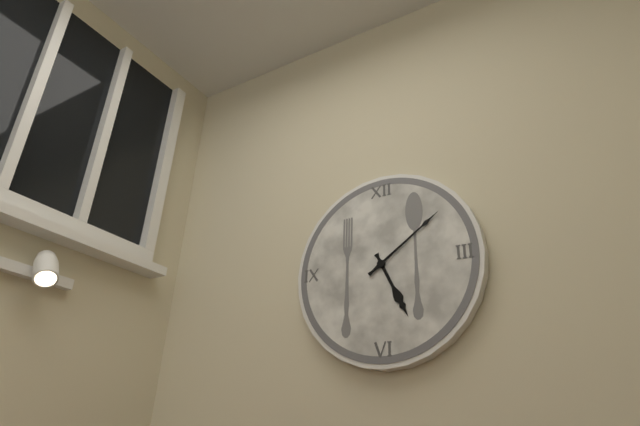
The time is 5:09
